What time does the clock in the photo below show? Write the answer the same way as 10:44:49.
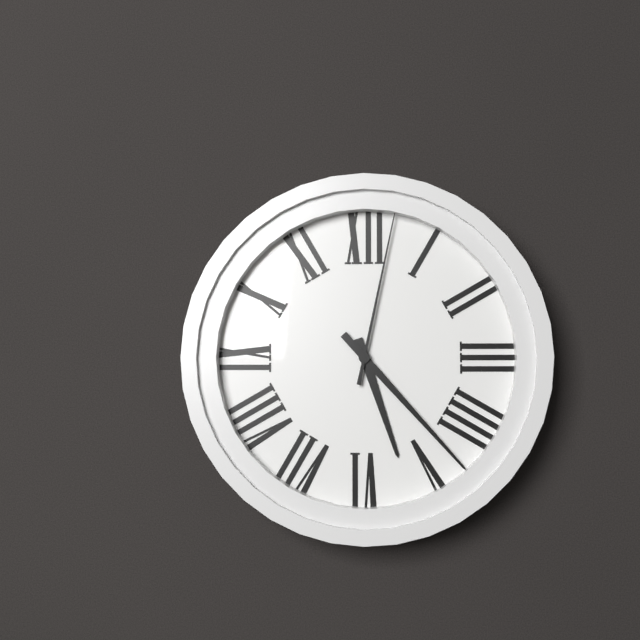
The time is 5:23:02
